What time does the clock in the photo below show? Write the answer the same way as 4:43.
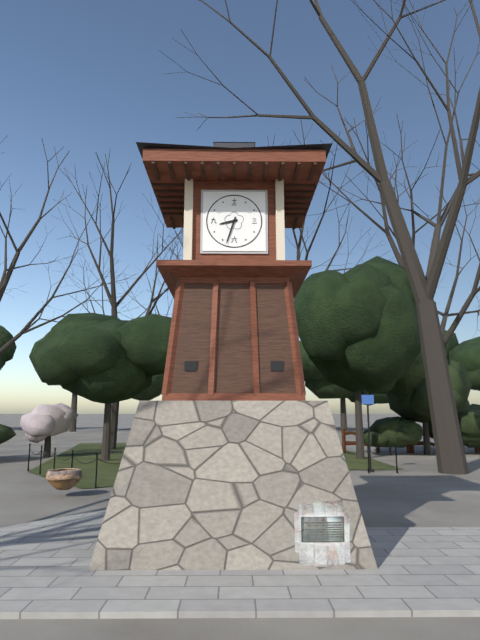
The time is 8:33
